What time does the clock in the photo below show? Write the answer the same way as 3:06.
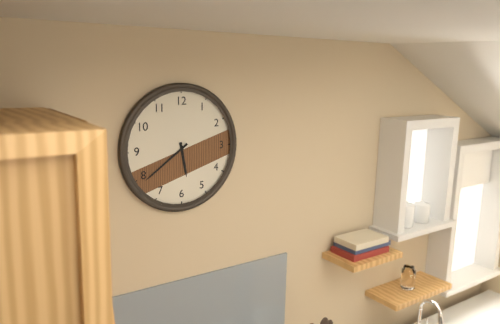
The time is 5:39
